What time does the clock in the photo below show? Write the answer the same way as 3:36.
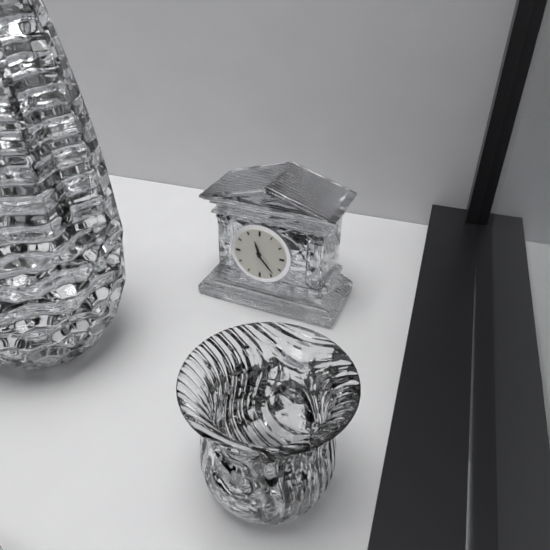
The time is 11:23
